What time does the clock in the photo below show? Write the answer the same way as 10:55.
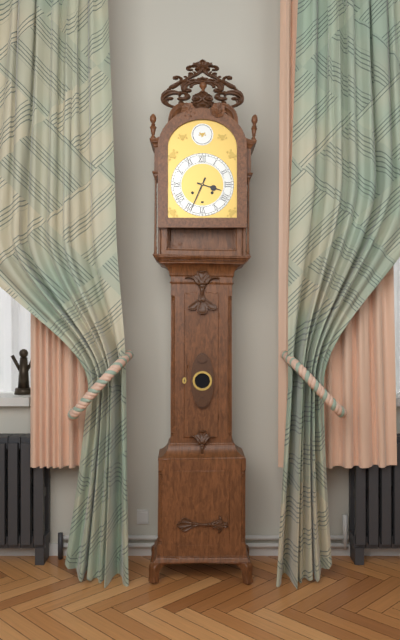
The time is 3:34
